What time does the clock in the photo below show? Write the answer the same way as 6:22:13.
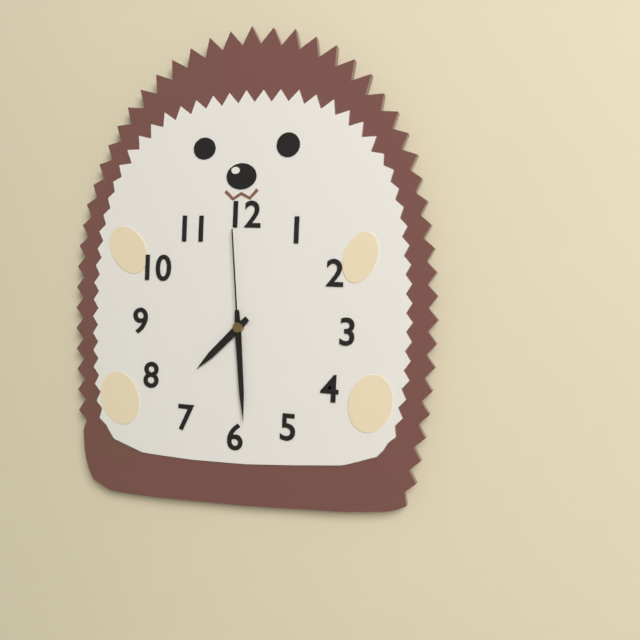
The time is 7:29:59
